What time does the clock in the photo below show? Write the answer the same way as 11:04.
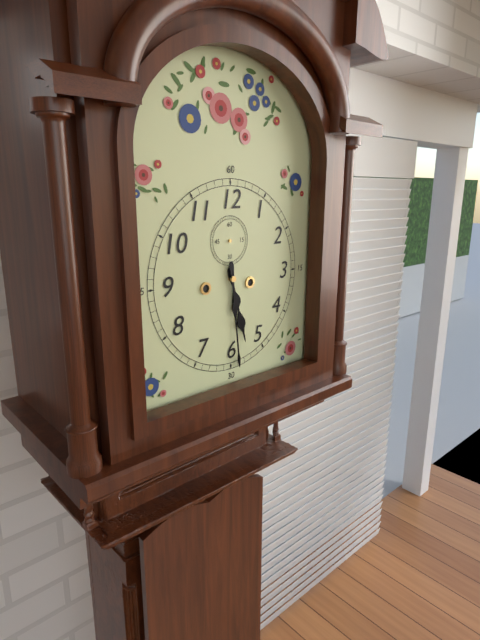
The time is 5:29
